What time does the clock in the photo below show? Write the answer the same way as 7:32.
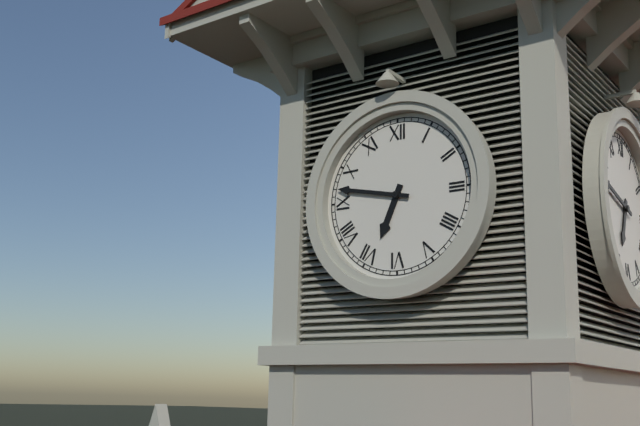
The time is 6:47
